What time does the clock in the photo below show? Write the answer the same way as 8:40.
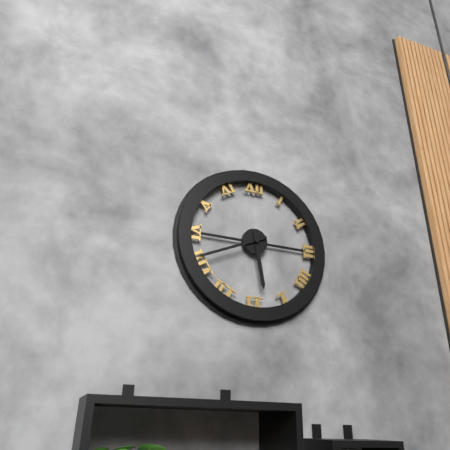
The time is 5:41
